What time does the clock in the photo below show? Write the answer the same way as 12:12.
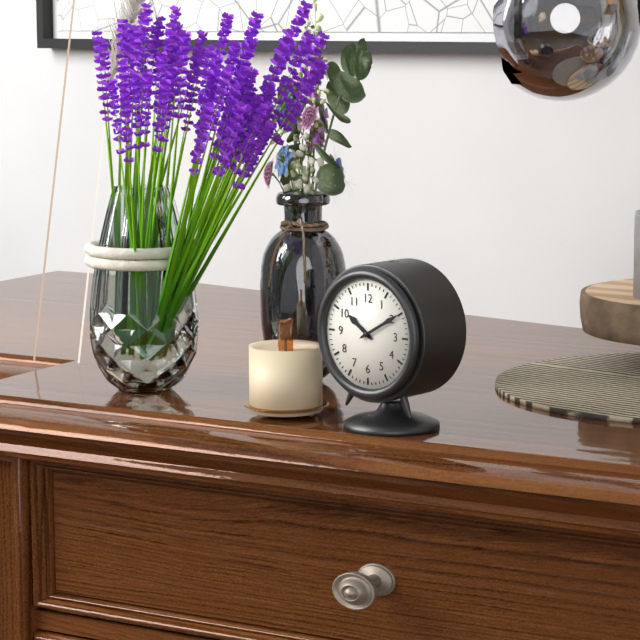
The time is 10:10
